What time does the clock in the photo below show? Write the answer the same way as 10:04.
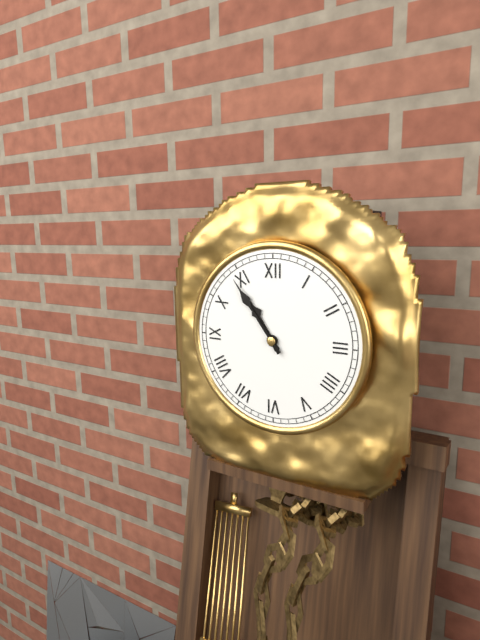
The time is 10:54
